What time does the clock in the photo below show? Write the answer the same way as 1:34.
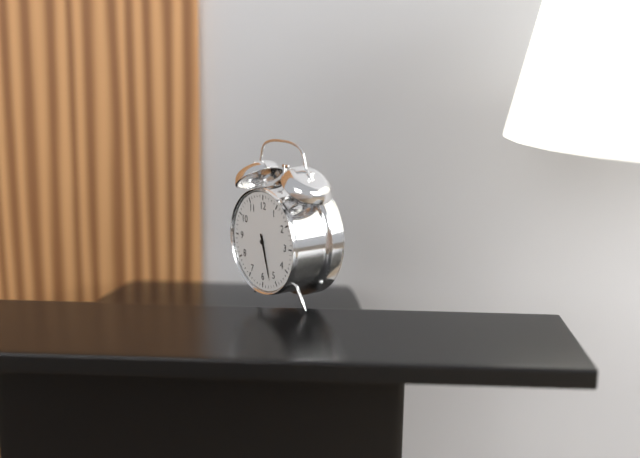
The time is 5:27
